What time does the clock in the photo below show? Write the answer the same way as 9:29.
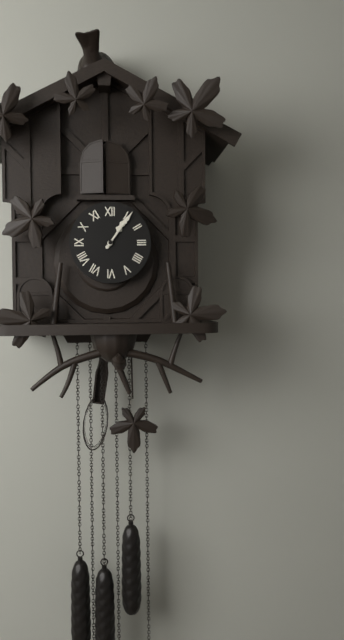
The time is 1:06
